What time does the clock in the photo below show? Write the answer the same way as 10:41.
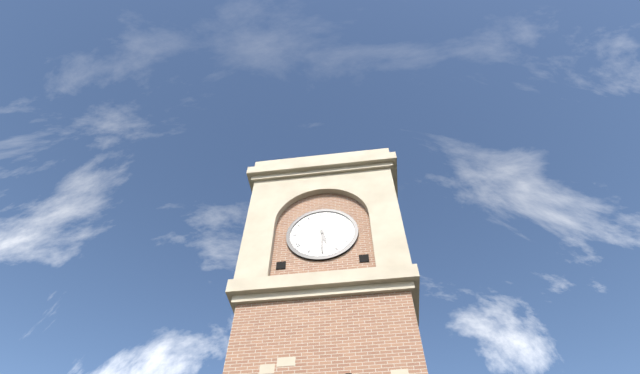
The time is 5:30
